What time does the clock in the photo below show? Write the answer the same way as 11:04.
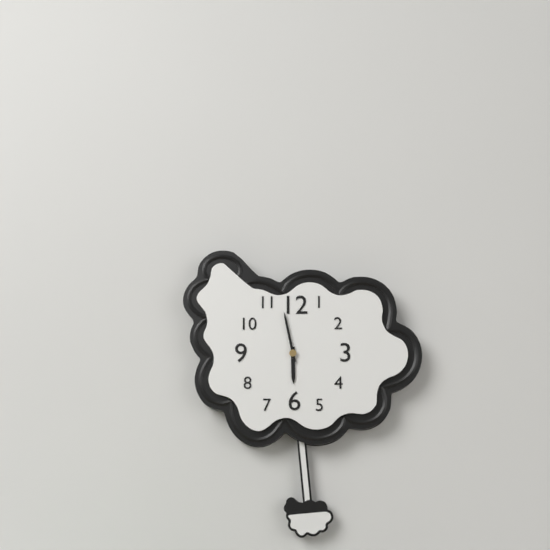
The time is 5:58
